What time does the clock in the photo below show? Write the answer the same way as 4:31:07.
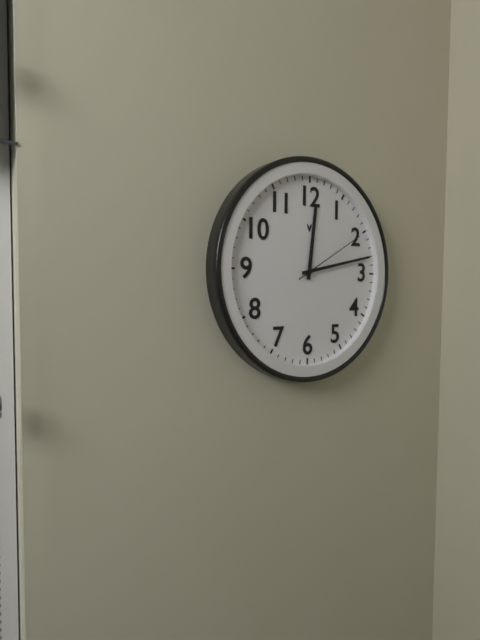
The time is 12:13:10
